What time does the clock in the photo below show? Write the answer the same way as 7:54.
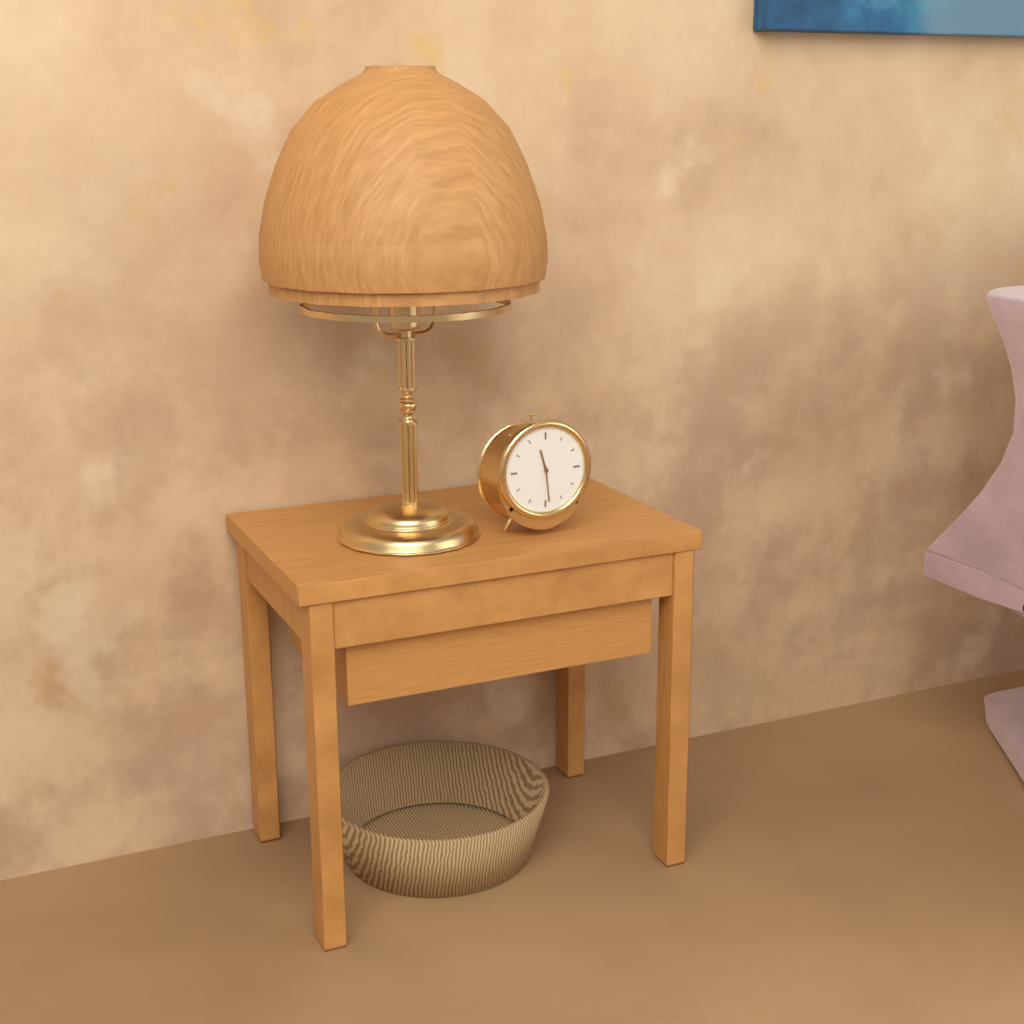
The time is 11:29
